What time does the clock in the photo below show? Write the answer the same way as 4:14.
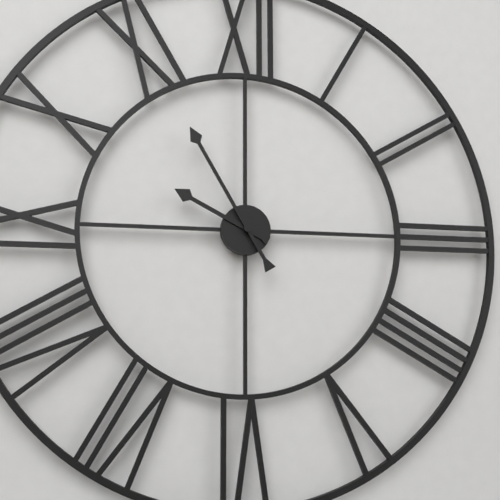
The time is 9:55
